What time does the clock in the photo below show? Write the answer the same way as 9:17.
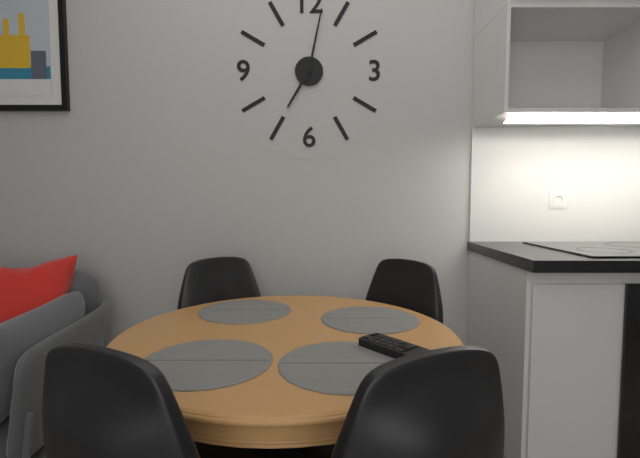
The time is 7:02
